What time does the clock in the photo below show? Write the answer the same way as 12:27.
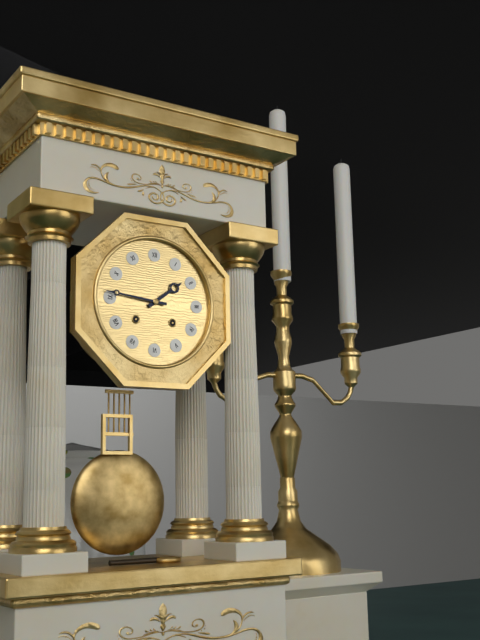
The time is 1:46
